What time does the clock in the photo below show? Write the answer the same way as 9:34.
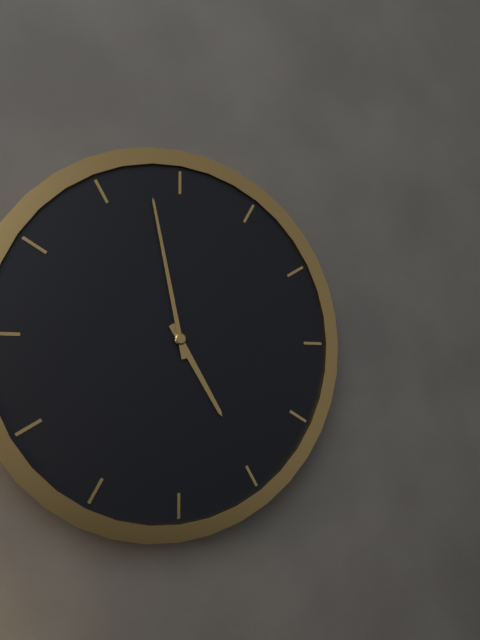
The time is 4:58
